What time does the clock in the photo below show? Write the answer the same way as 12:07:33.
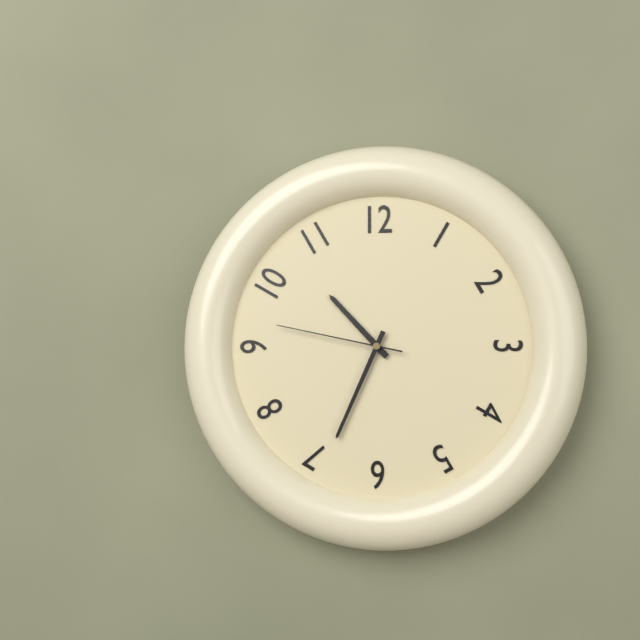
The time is 10:34:47
